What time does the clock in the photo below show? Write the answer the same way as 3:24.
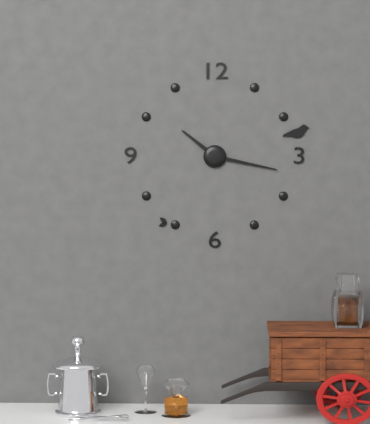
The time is 10:17
